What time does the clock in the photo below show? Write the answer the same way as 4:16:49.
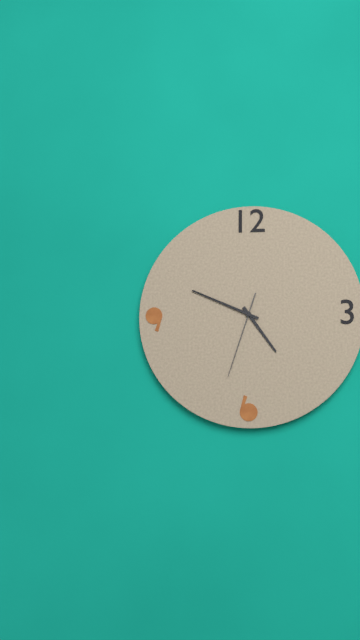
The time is 4:49:33
